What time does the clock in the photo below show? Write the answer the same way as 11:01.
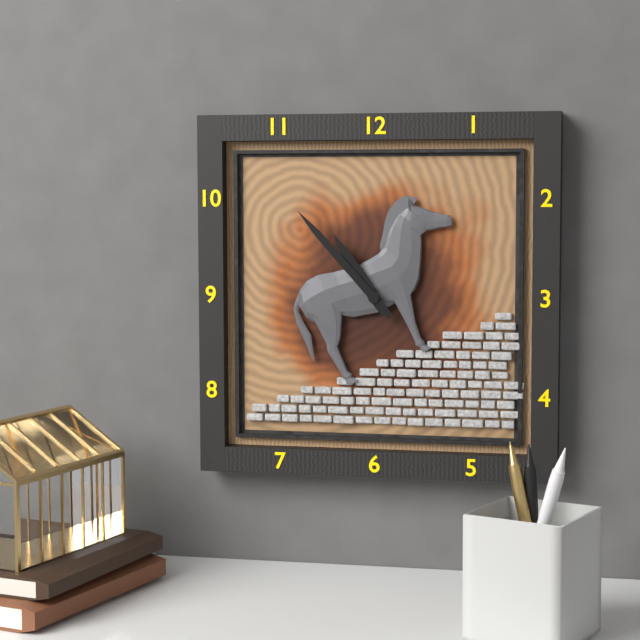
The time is 10:53
